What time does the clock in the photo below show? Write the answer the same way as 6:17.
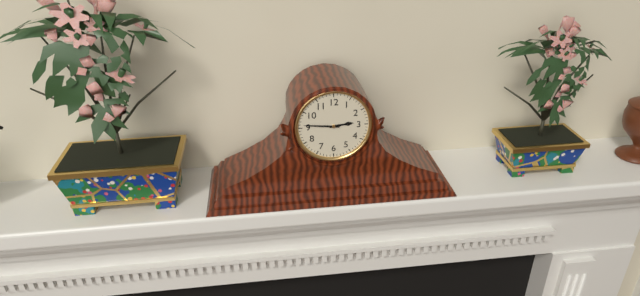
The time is 2:46
